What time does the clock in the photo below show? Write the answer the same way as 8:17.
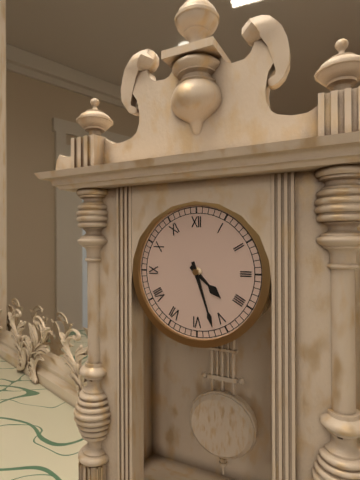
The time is 4:27
